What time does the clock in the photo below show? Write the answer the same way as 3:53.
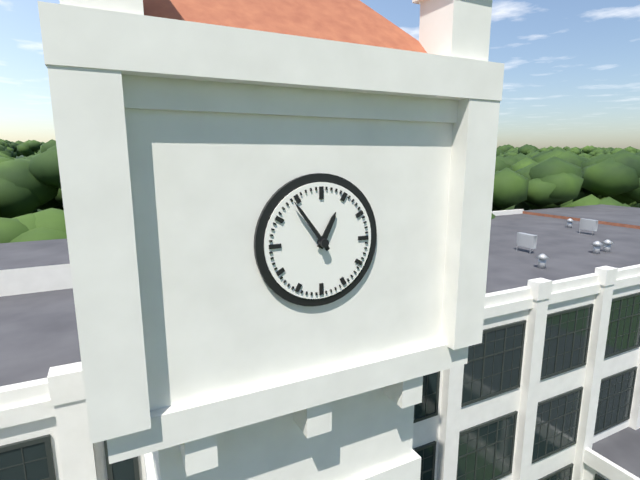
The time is 12:54
